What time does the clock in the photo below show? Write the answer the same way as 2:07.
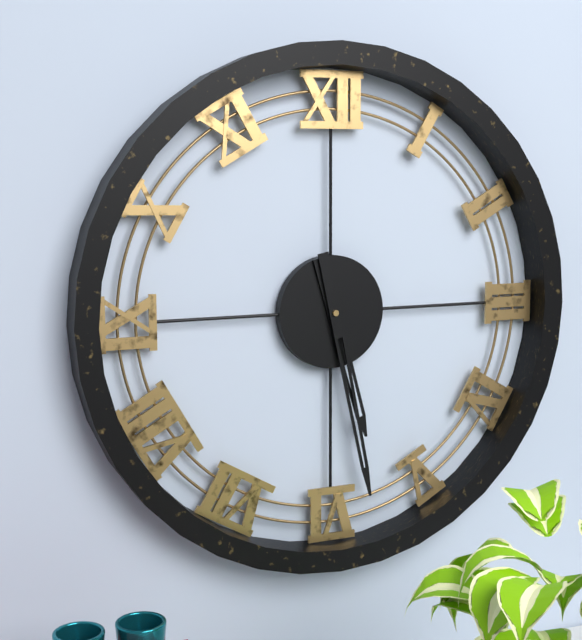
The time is 5:28
